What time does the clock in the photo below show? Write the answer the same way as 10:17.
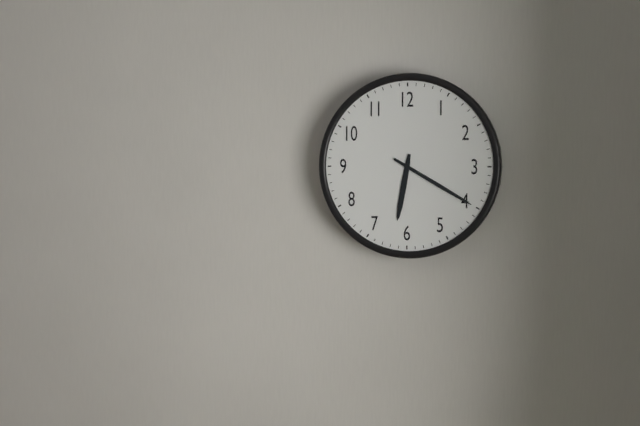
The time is 6:20
